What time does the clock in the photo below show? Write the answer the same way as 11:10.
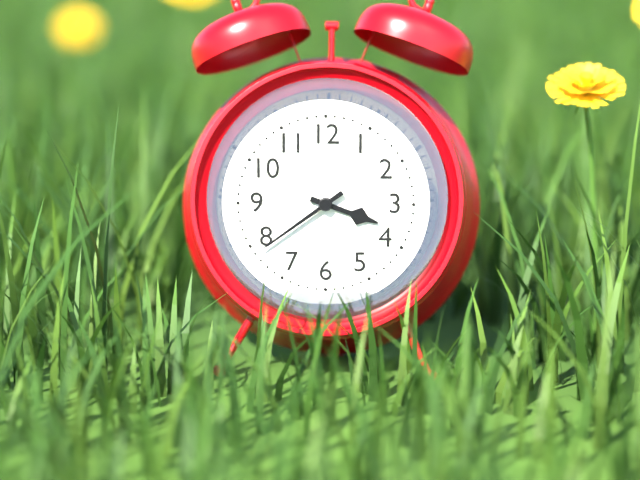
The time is 3:39
